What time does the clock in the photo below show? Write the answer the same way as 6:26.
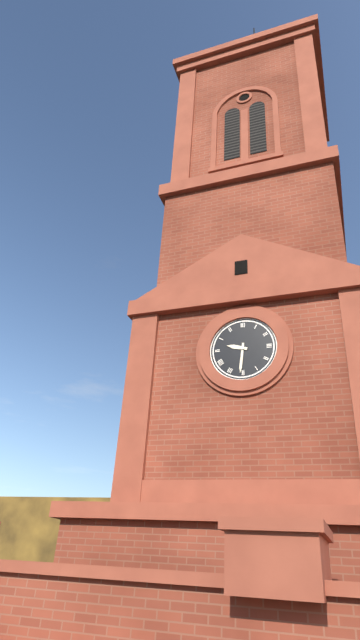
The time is 9:31
